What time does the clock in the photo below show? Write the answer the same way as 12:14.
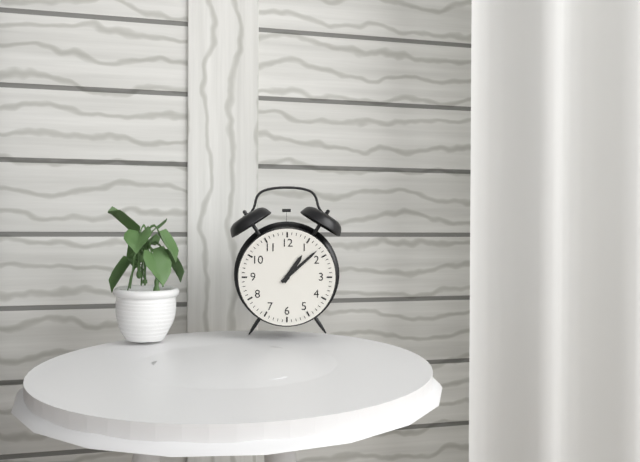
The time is 1:08
